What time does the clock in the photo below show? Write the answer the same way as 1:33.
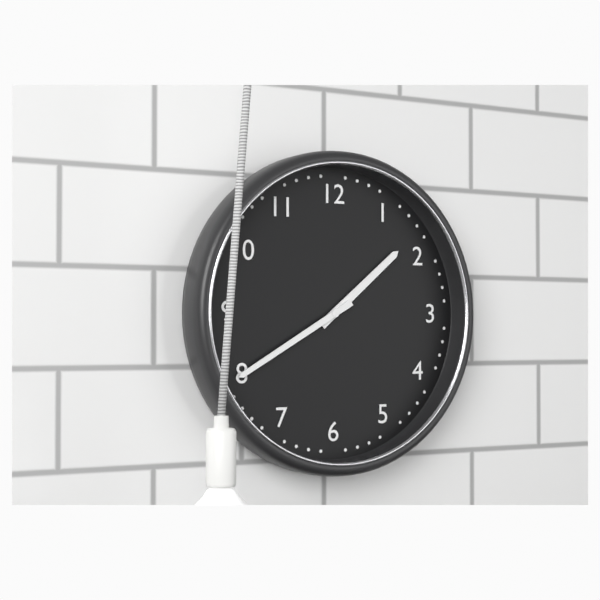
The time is 1:40
